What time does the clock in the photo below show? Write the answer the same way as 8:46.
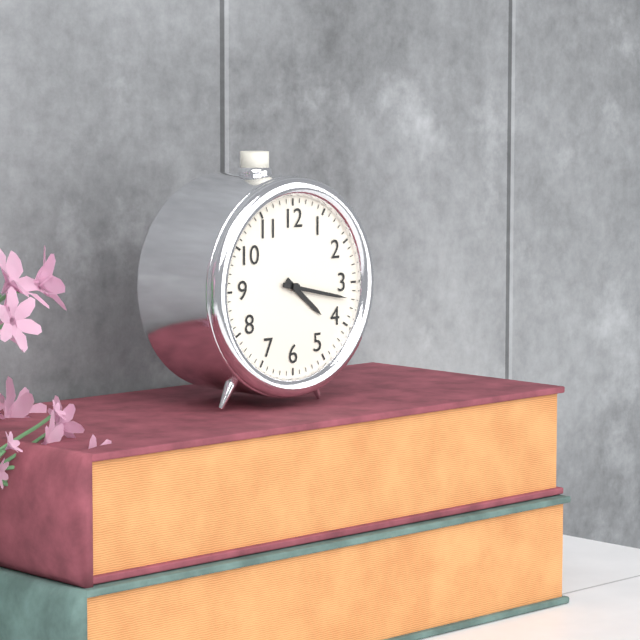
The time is 4:17
